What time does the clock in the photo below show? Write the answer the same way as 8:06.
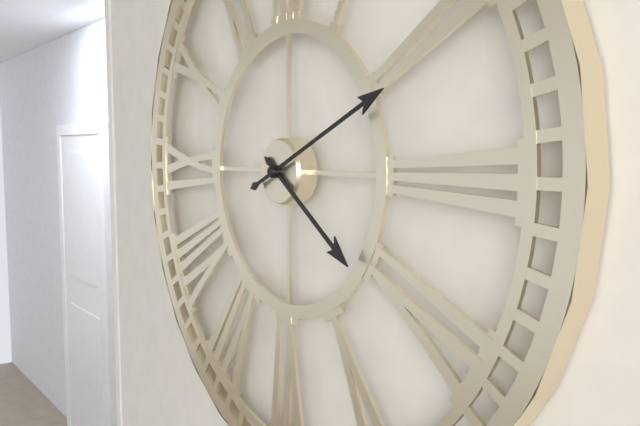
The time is 4:11
